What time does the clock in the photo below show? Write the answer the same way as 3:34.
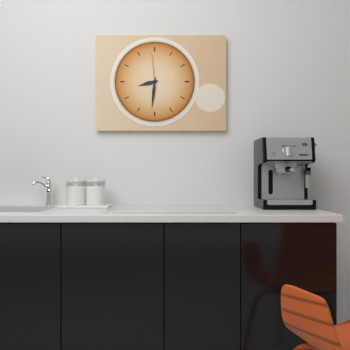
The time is 8:31
